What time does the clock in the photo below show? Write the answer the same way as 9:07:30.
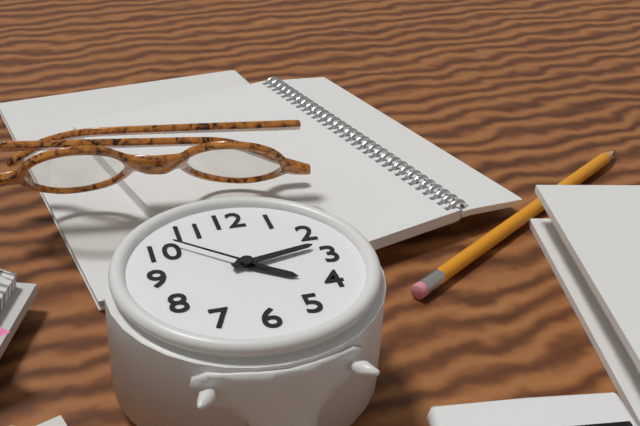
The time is 4:13:52
